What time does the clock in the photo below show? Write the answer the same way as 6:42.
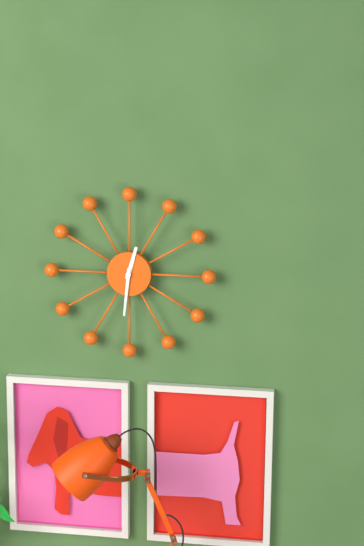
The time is 12:31
